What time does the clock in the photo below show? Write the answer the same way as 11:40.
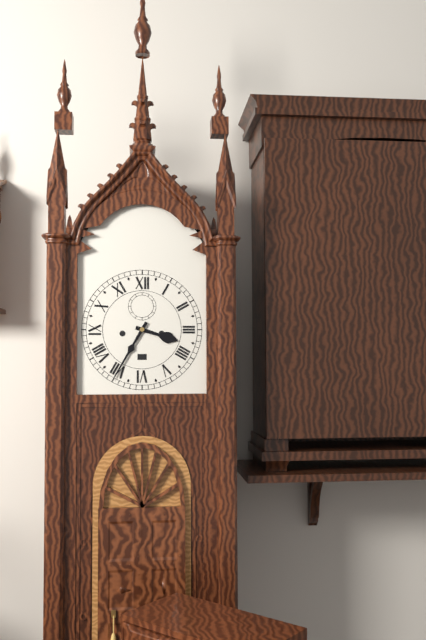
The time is 3:35
